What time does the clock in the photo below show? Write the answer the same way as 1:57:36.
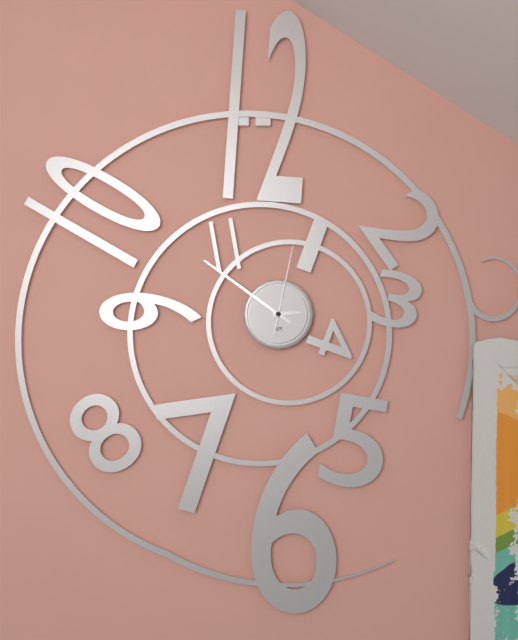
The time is 2:51:02
